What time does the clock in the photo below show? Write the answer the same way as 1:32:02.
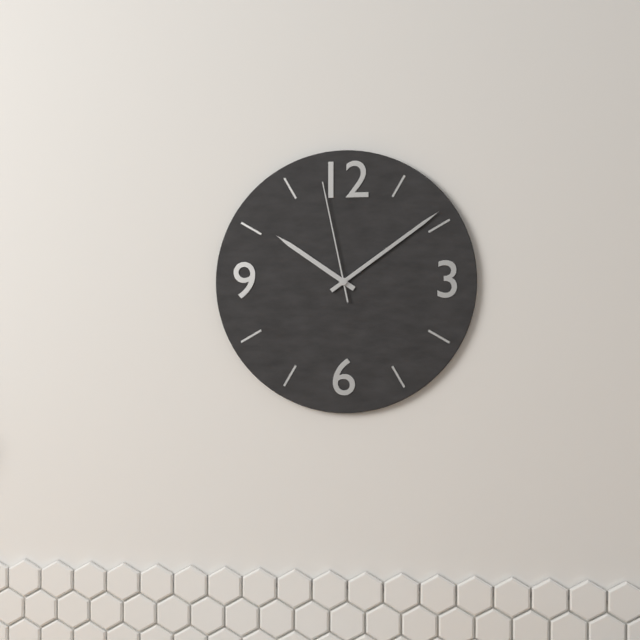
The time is 10:09:58
